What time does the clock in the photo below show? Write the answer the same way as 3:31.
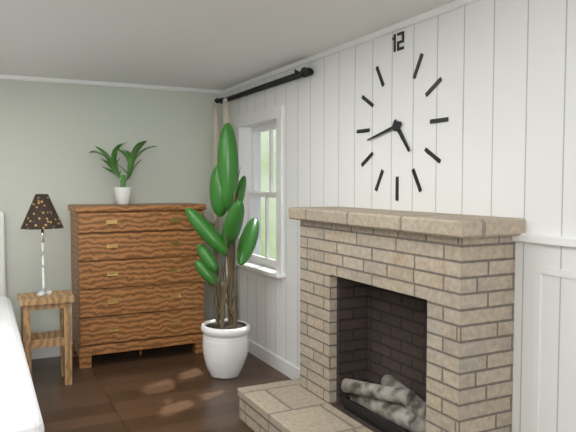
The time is 4:43
